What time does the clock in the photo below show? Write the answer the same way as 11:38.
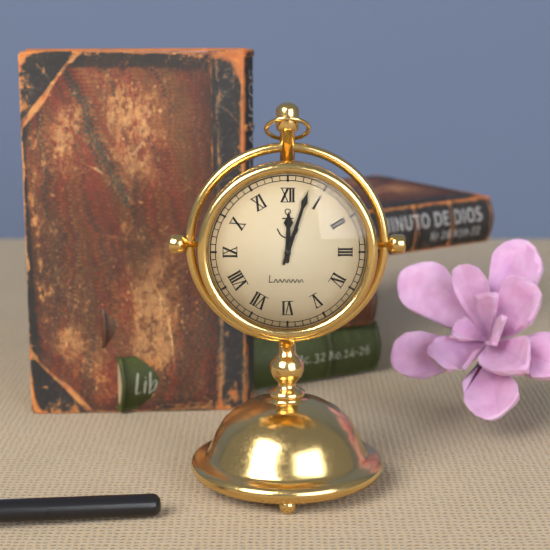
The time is 12:03
